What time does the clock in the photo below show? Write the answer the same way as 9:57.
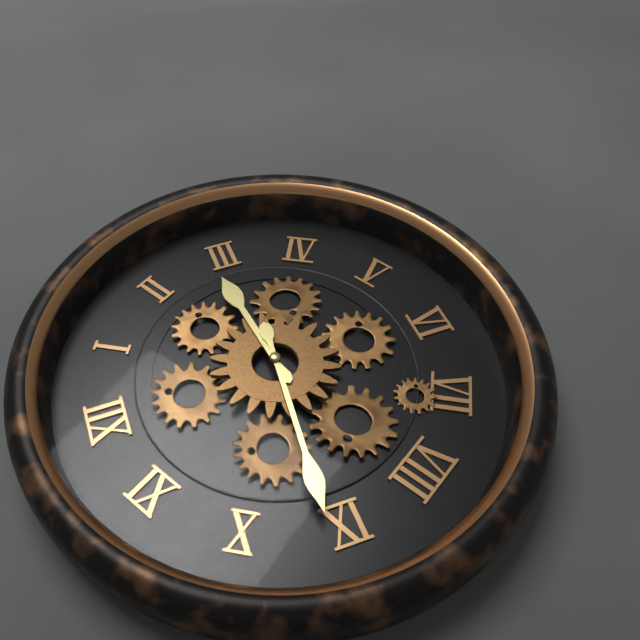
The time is 2:46
